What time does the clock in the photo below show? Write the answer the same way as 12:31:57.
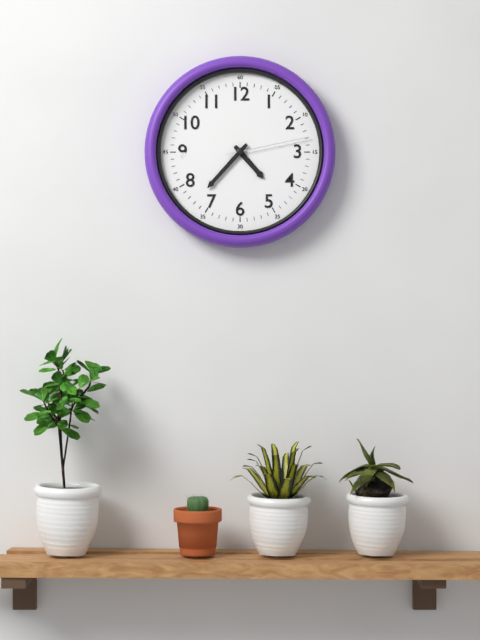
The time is 4:37:13
